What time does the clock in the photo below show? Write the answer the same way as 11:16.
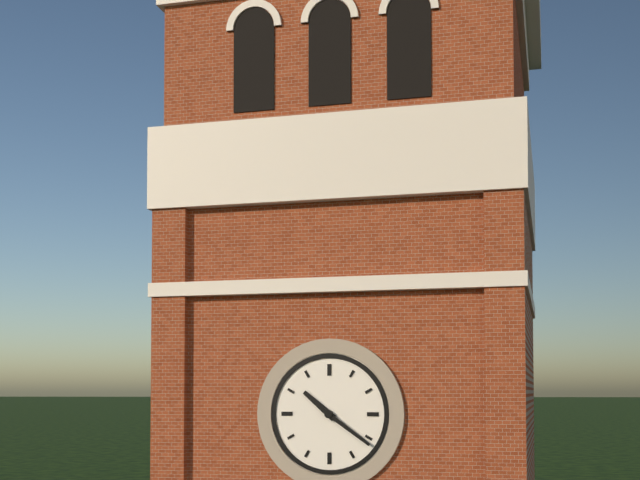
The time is 10:21
